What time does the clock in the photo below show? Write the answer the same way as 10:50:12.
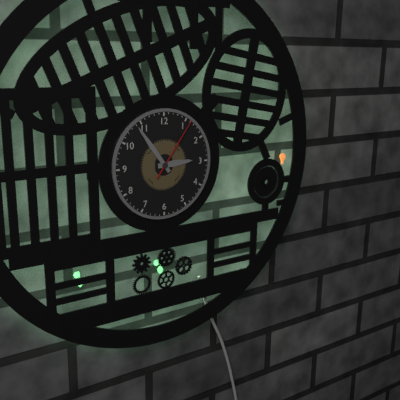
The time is 2:54:06
